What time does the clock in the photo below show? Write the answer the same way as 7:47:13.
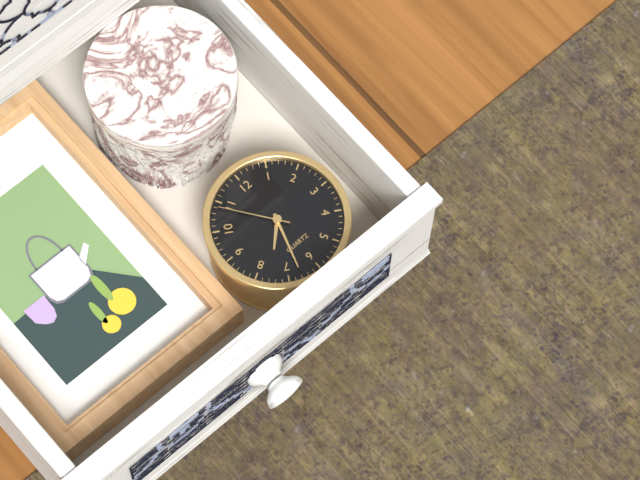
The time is 7:33:54
